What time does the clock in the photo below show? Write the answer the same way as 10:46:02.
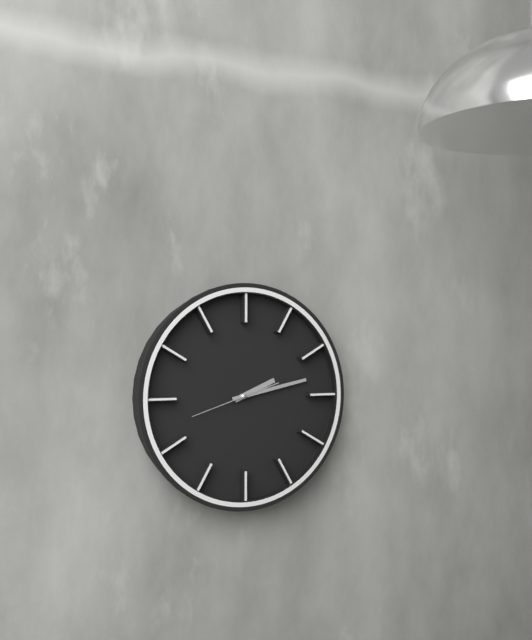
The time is 2:13:42
